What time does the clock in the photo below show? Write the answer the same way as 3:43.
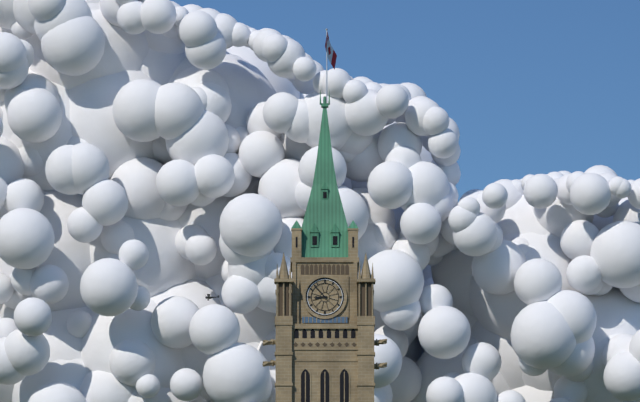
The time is 8:53
